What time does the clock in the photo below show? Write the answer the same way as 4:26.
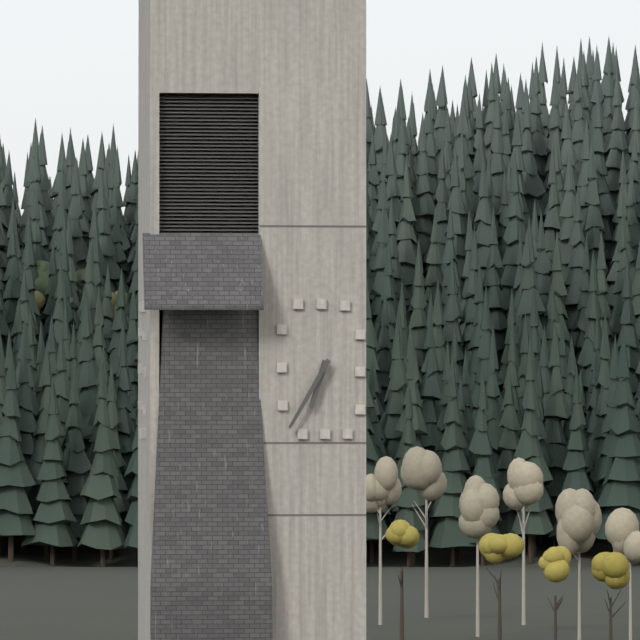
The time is 6:35
